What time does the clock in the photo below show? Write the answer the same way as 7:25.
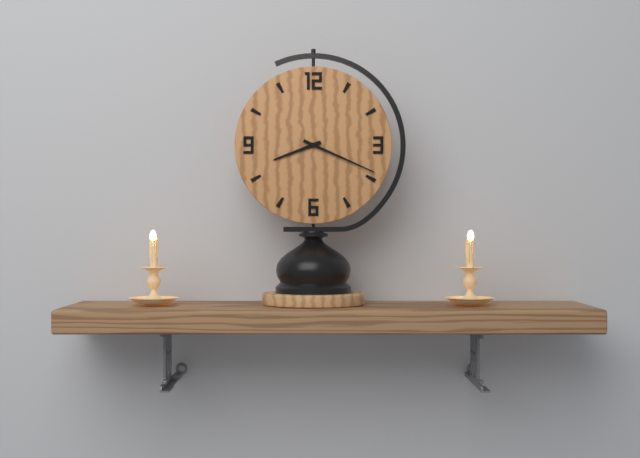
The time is 8:19
